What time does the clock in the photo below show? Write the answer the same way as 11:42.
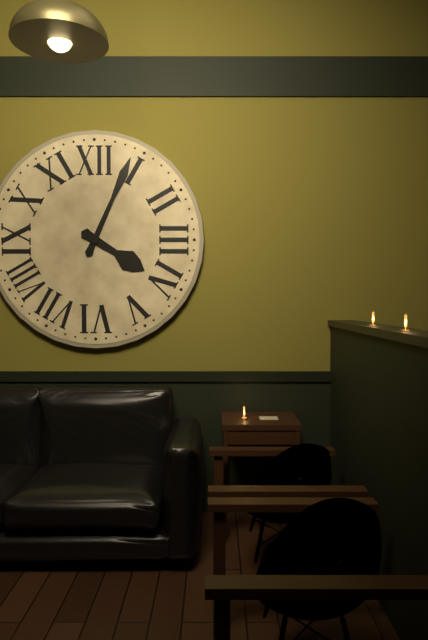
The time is 4:04
